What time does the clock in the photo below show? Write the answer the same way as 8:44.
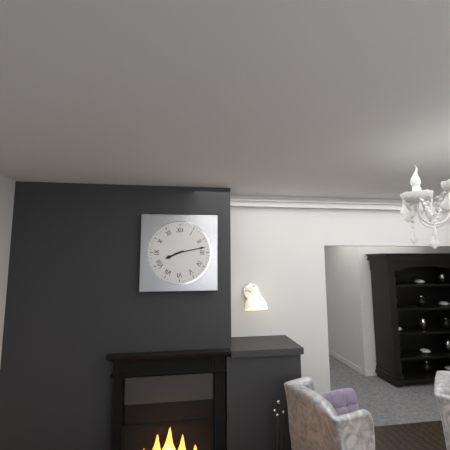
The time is 8:13
